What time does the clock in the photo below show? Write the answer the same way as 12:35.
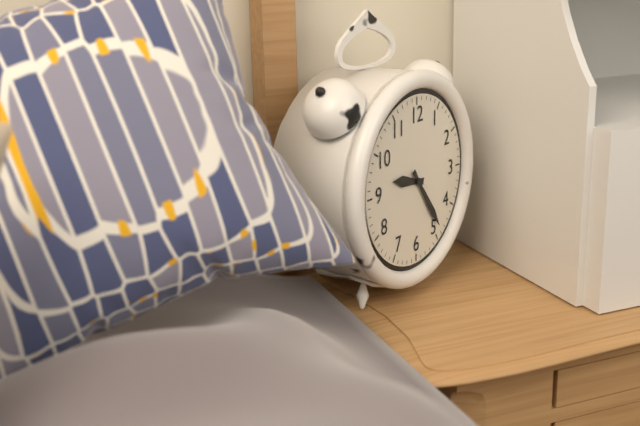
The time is 9:24
